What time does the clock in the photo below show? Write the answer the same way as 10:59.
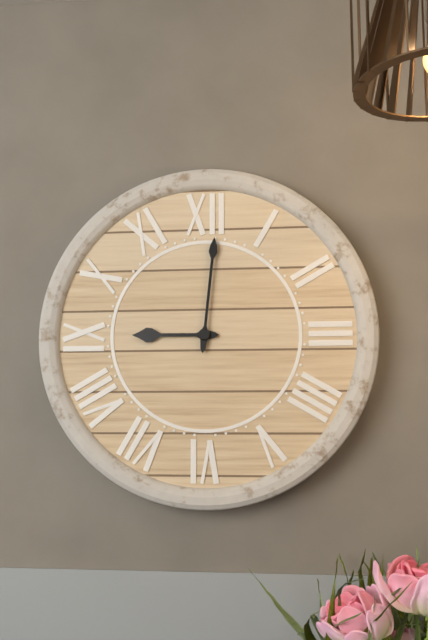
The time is 9:01
